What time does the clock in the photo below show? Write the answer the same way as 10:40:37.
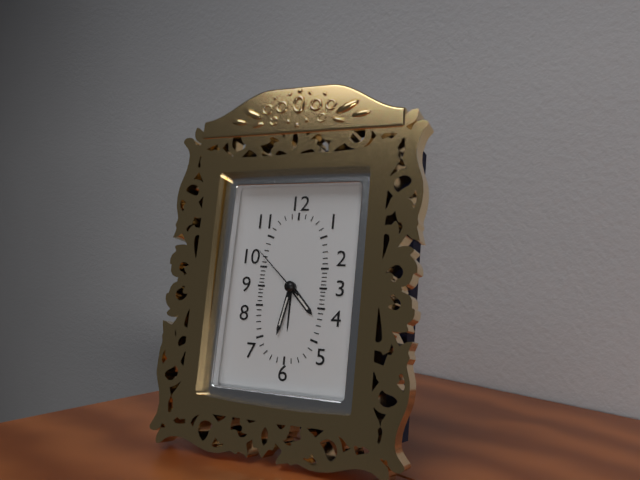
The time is 4:32:52
